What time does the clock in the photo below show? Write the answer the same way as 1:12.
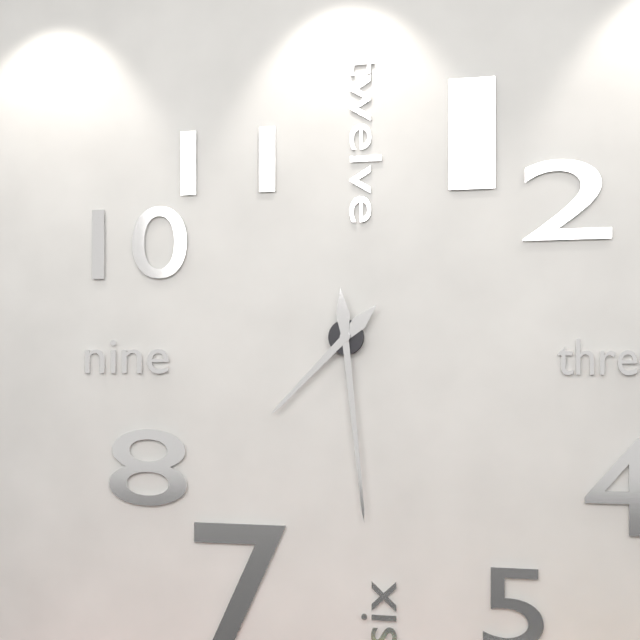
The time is 7:29
